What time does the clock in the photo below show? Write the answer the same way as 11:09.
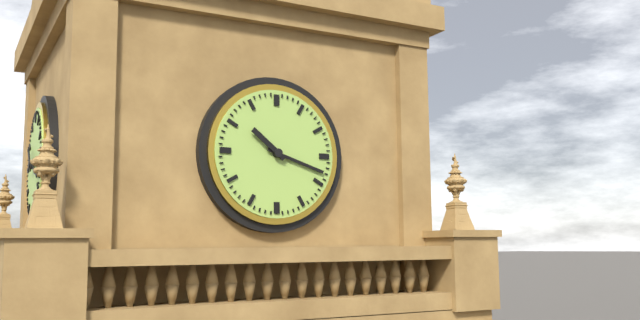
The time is 10:18
